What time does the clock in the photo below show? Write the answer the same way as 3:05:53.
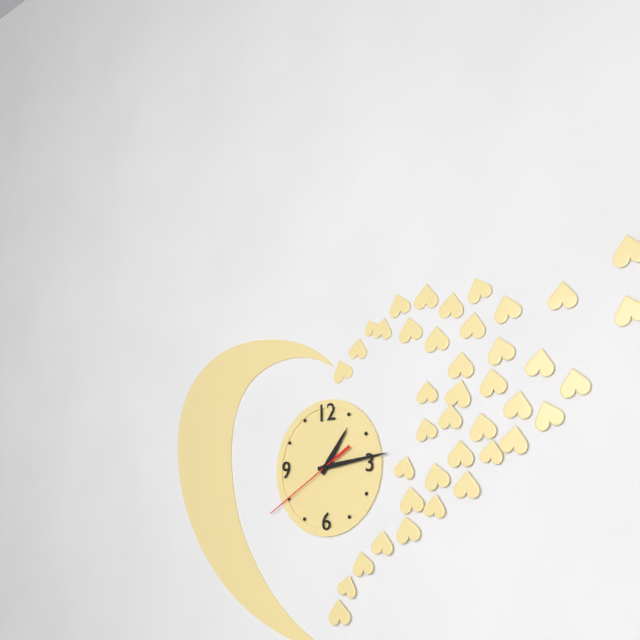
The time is 1:14:40
